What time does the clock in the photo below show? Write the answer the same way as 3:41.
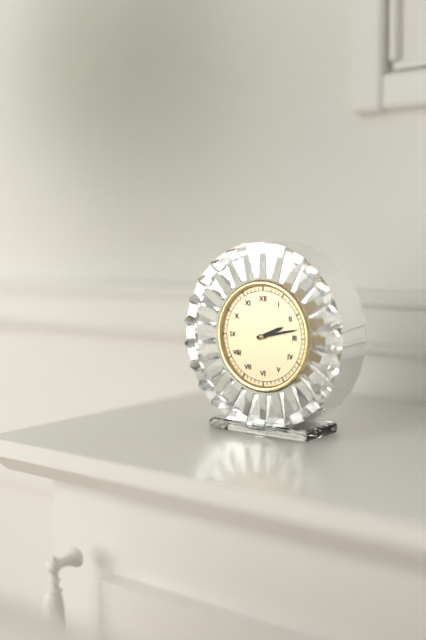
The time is 2:13
